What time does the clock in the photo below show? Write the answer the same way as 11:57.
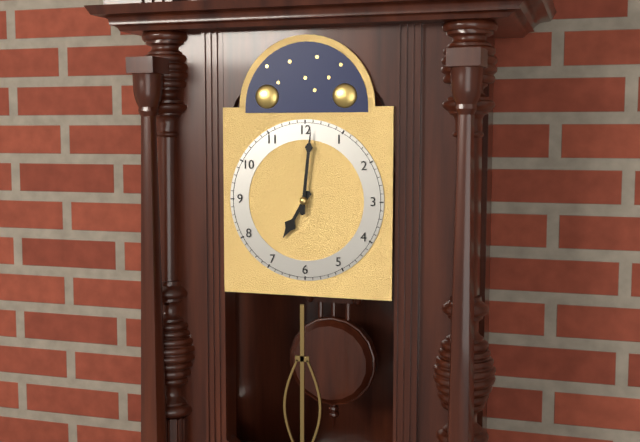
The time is 7:01
